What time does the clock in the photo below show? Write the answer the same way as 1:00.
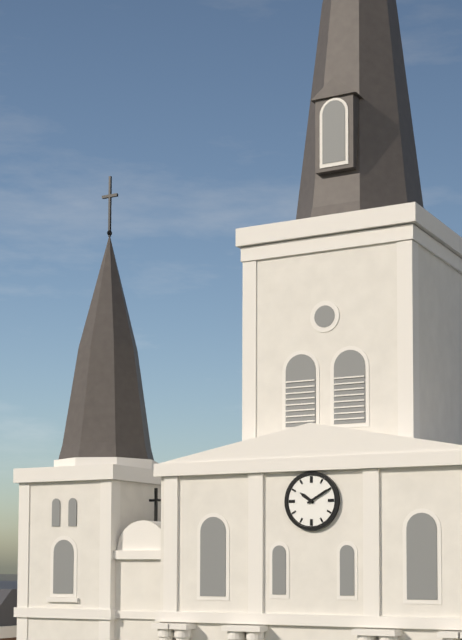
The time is 10:10
